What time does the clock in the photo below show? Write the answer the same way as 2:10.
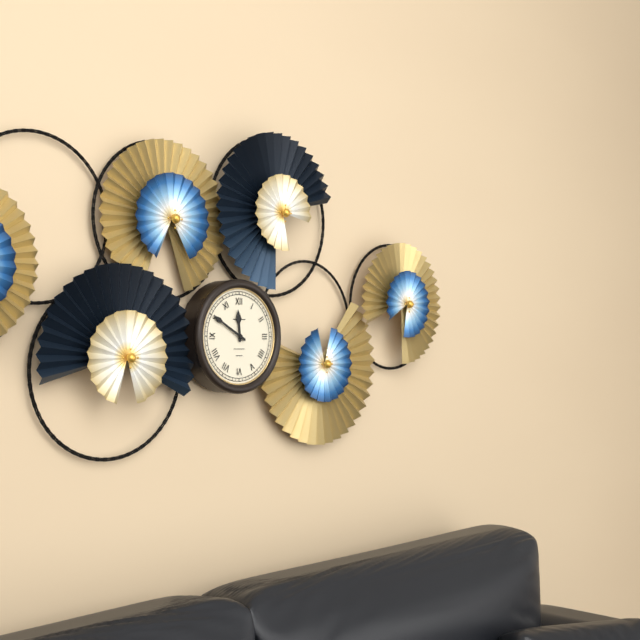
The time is 11:50
